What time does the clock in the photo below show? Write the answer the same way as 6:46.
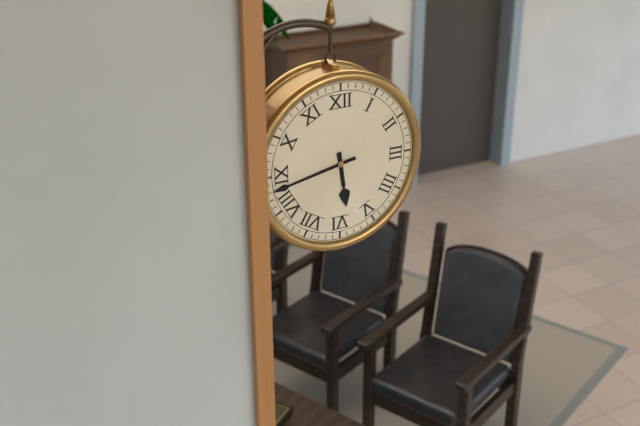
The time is 5:43
